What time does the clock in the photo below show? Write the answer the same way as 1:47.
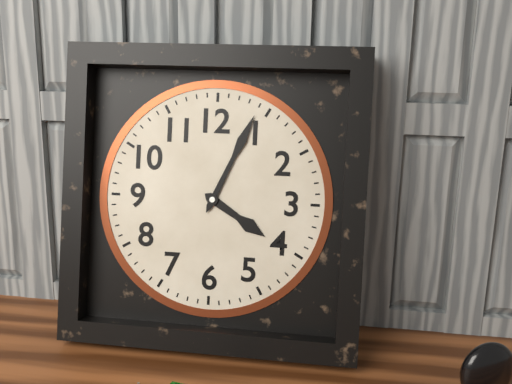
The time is 4:04
